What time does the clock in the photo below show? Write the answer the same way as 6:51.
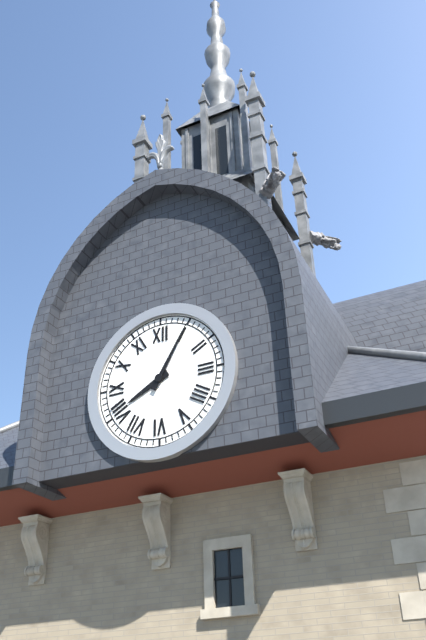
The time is 8:05
